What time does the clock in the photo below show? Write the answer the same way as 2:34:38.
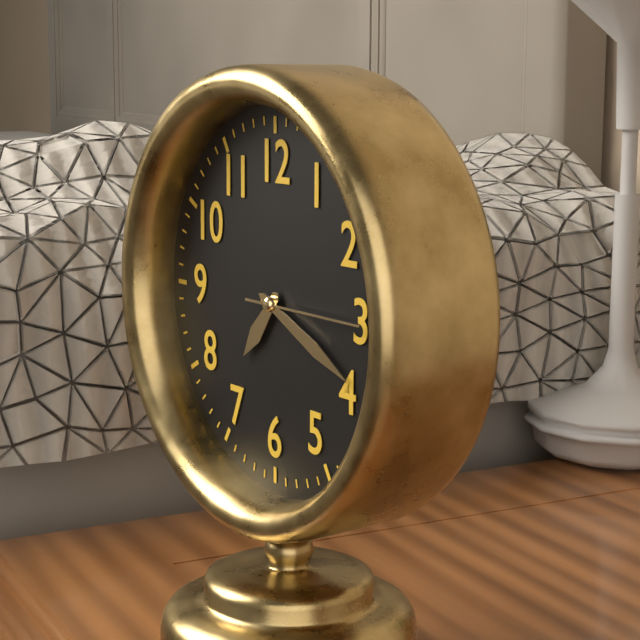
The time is 7:19:15
